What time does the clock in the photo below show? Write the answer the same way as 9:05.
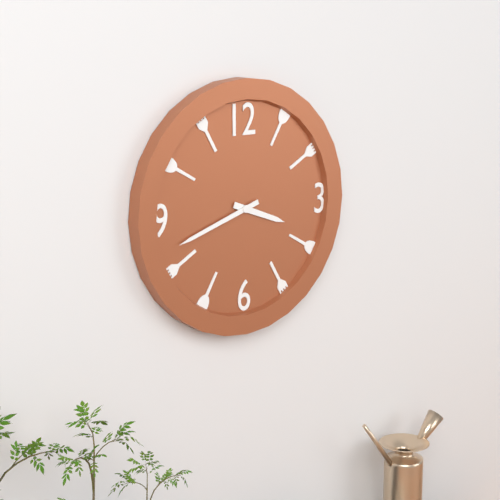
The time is 3:42
